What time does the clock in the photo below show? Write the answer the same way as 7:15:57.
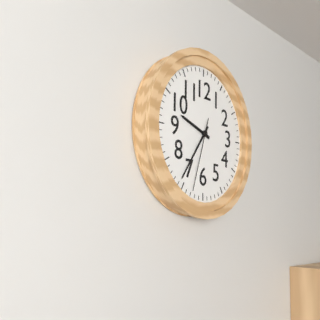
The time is 9:36:33
